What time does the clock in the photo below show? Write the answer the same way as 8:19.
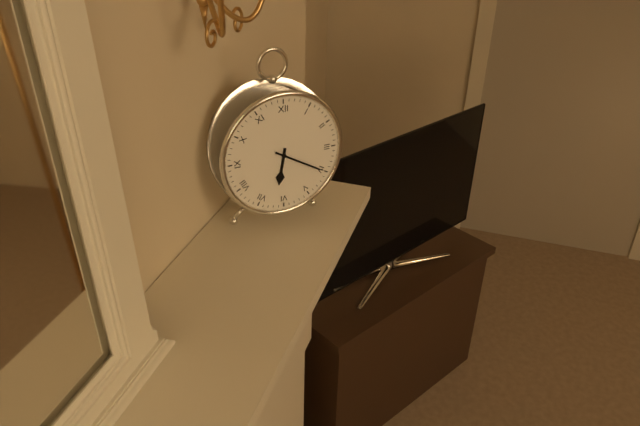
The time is 6:20
